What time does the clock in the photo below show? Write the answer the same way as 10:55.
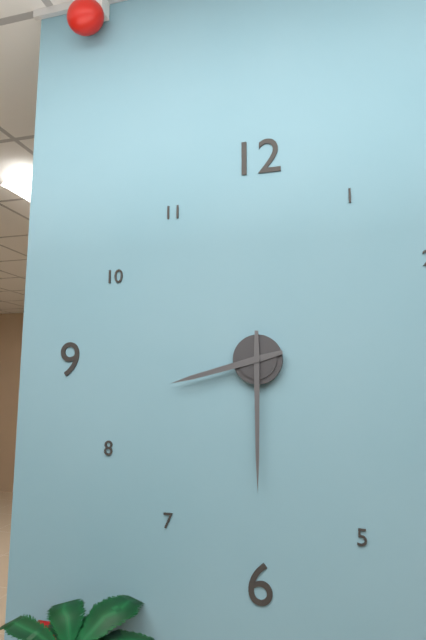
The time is 8:30
